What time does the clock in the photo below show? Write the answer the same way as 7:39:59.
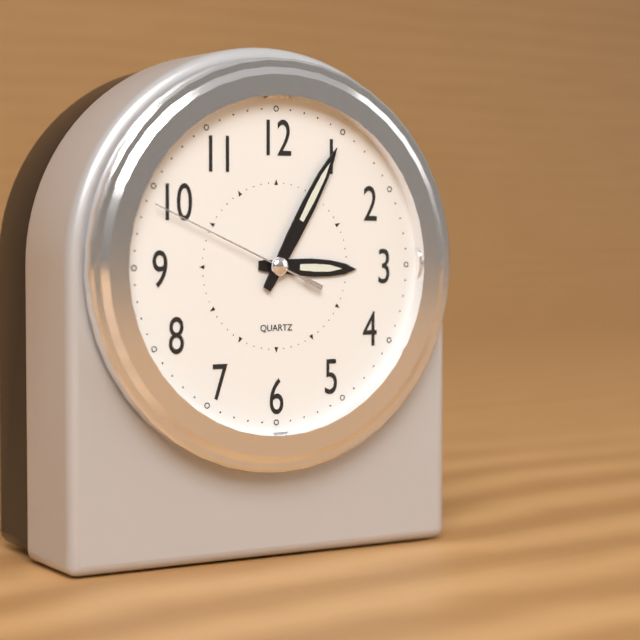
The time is 3:05:49
